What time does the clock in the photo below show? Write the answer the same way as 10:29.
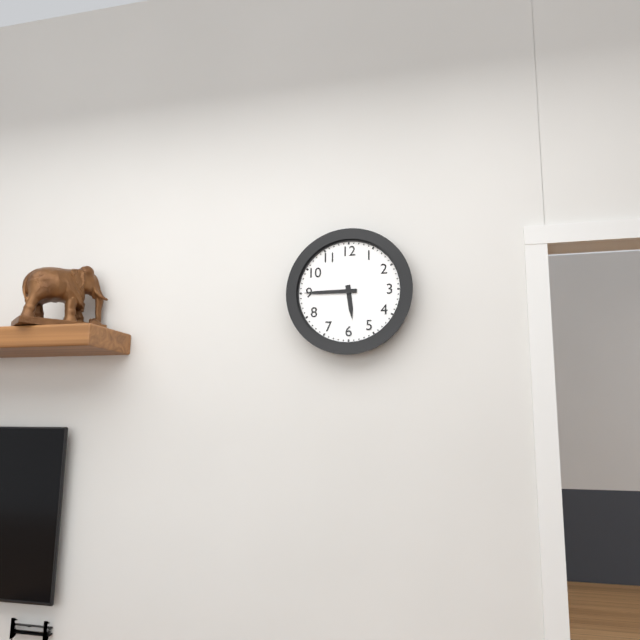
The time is 5:45
